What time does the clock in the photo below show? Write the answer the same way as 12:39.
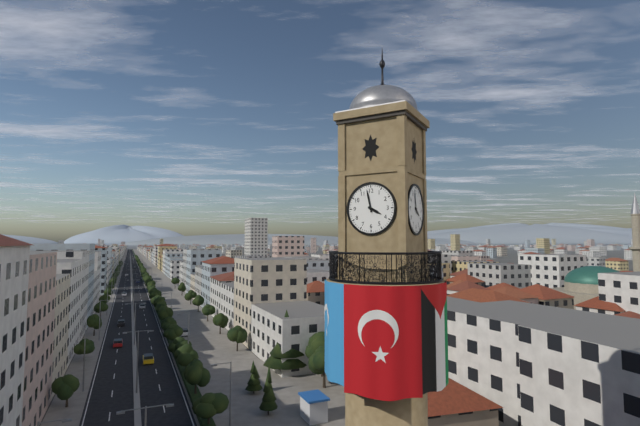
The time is 3:58
